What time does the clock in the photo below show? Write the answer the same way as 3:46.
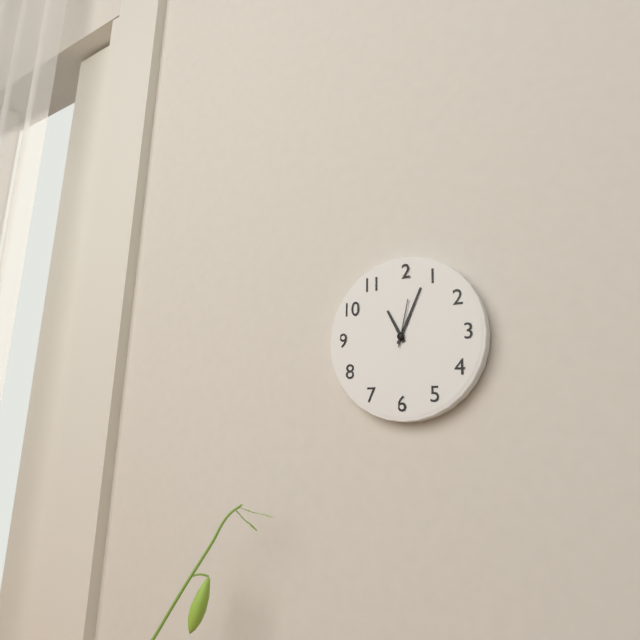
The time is 11:04
